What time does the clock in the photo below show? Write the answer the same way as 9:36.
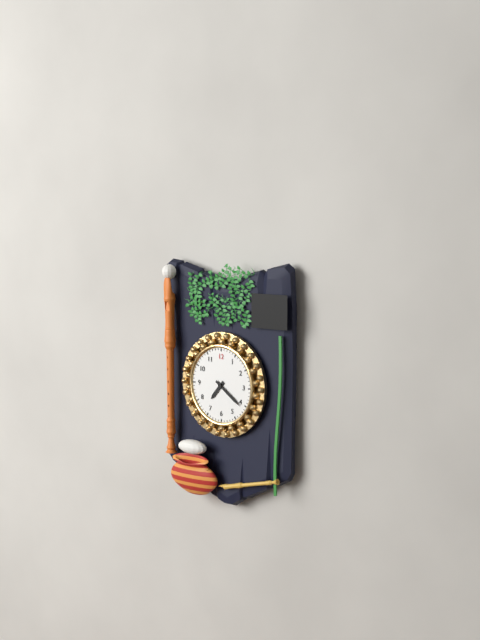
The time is 7:21
